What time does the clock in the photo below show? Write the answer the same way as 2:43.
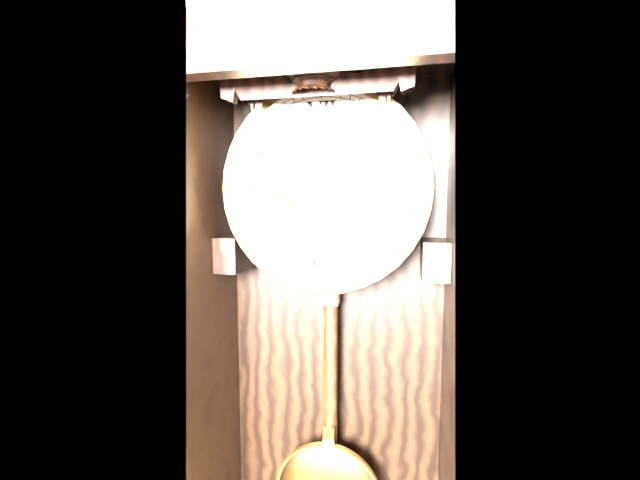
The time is 2:31
